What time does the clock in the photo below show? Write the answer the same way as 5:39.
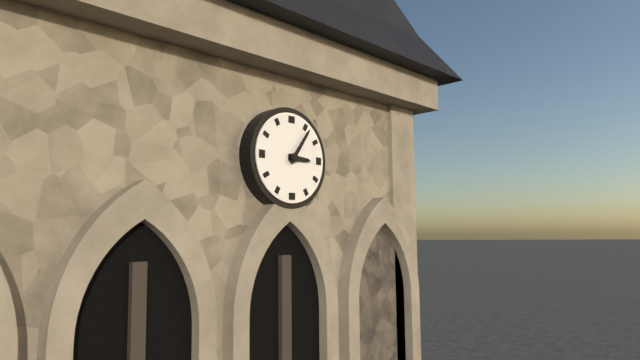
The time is 3:06
